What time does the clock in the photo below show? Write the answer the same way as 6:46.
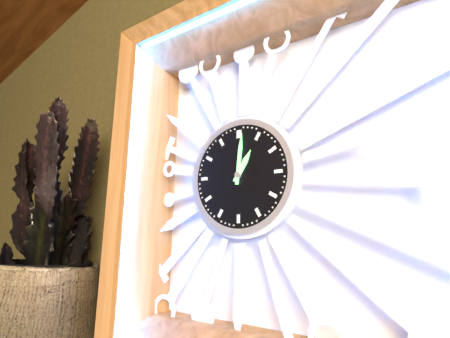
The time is 1:01
